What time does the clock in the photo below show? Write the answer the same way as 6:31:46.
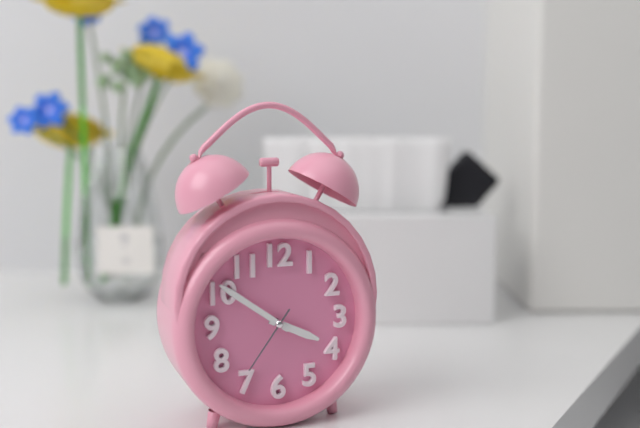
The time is 3:51:36
